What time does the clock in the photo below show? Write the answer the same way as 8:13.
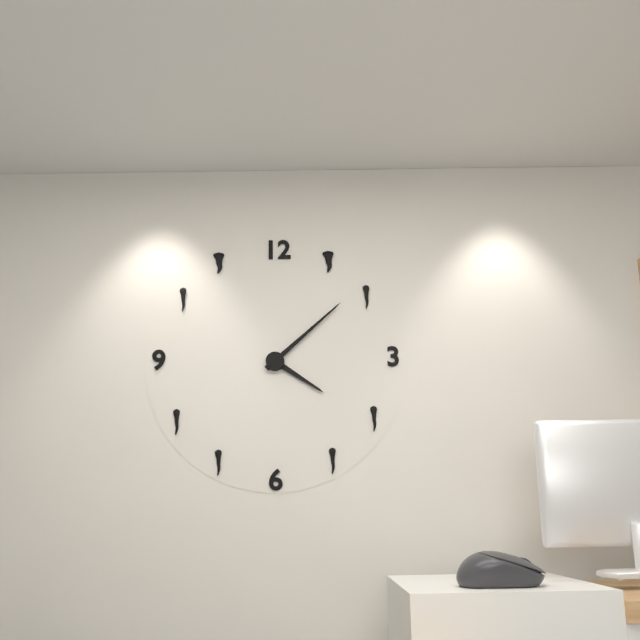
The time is 4:08
